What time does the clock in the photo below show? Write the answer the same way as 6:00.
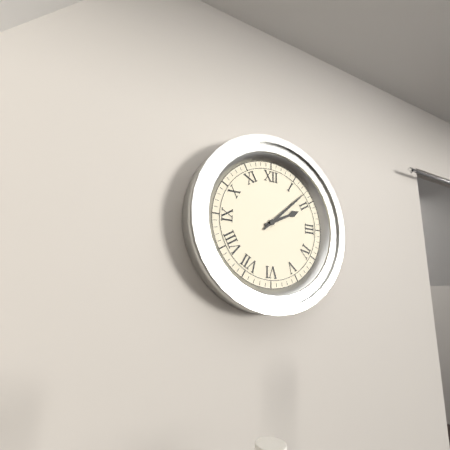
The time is 2:08
